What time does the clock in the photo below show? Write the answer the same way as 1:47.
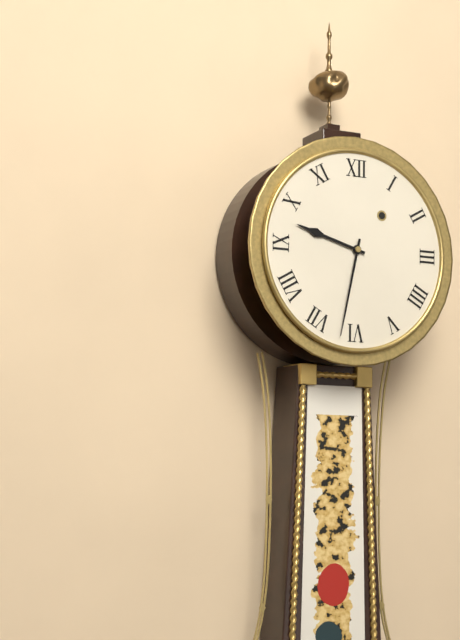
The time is 9:32
